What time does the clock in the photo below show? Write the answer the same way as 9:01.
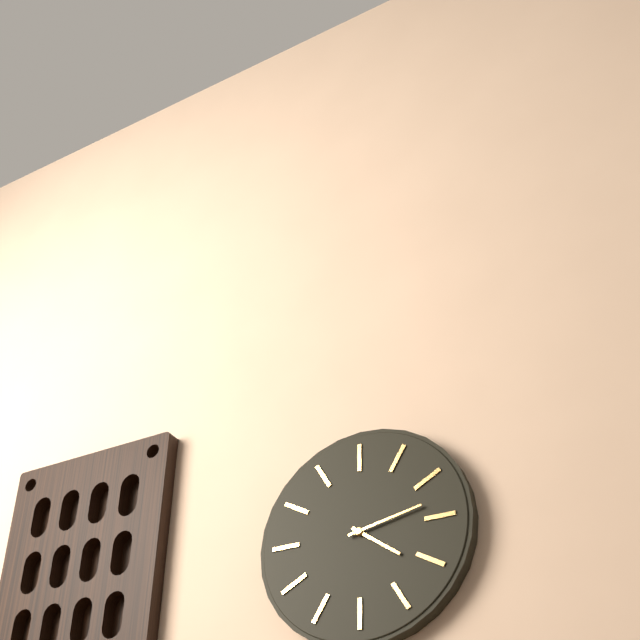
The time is 4:13
